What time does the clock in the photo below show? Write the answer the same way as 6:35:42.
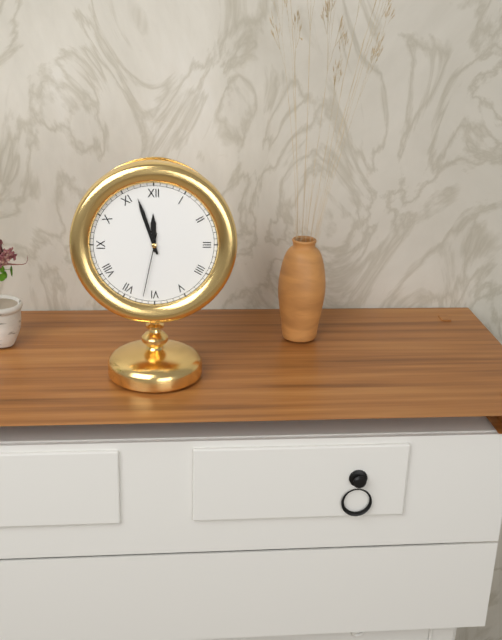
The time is 11:57:32
